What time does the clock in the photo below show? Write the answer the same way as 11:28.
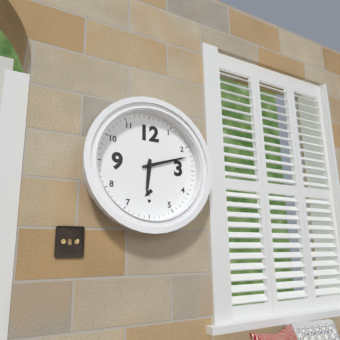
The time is 6:12
